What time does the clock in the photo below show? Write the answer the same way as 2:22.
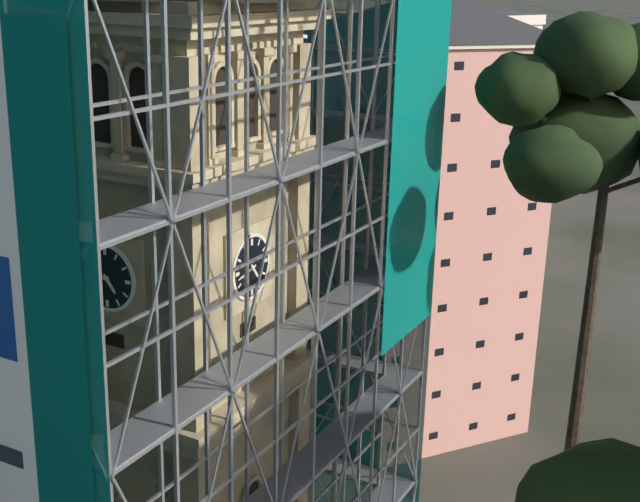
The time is 4:43
